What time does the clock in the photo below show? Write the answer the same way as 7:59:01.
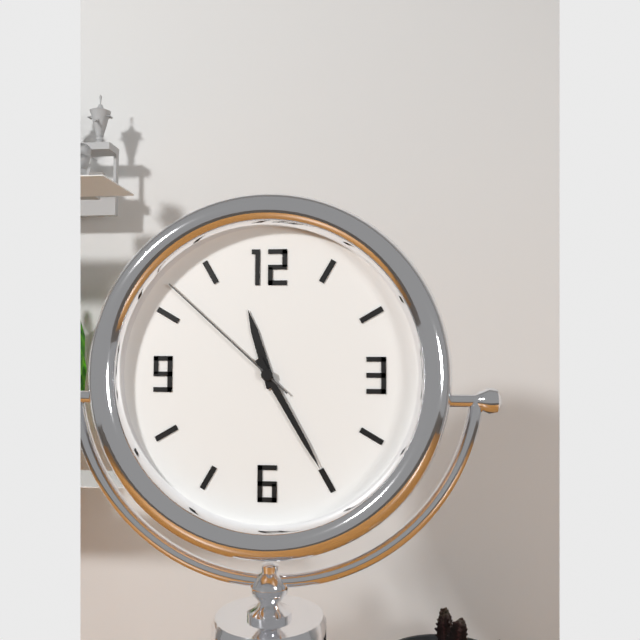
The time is 11:25:52
